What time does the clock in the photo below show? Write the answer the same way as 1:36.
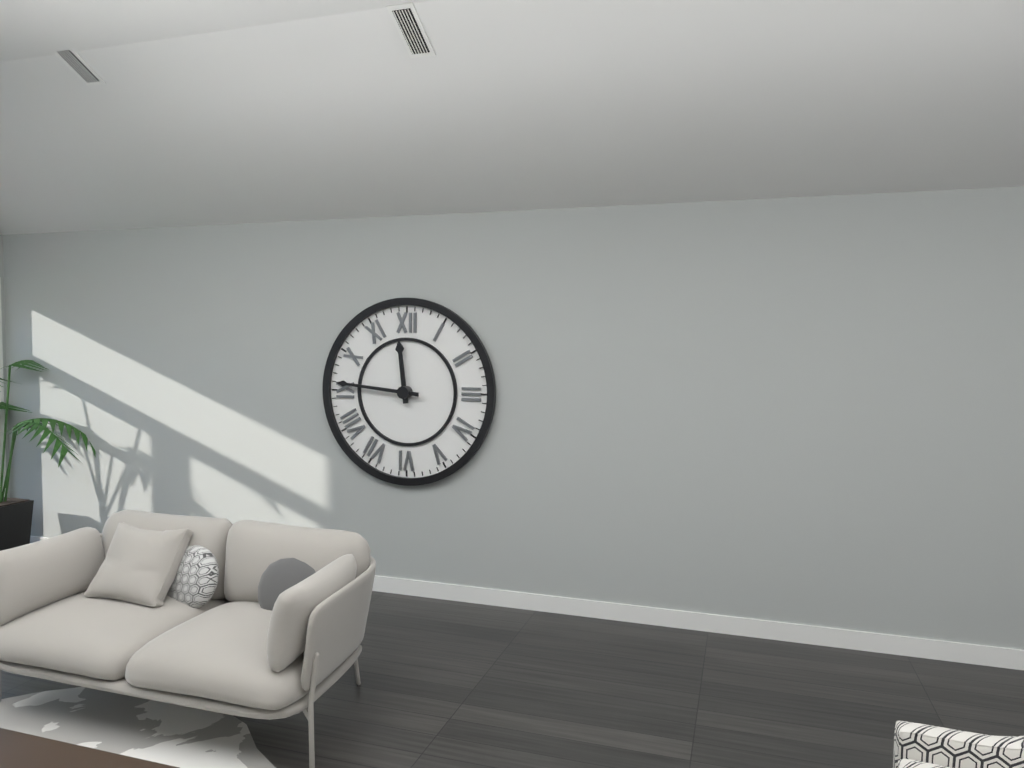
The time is 11:46
